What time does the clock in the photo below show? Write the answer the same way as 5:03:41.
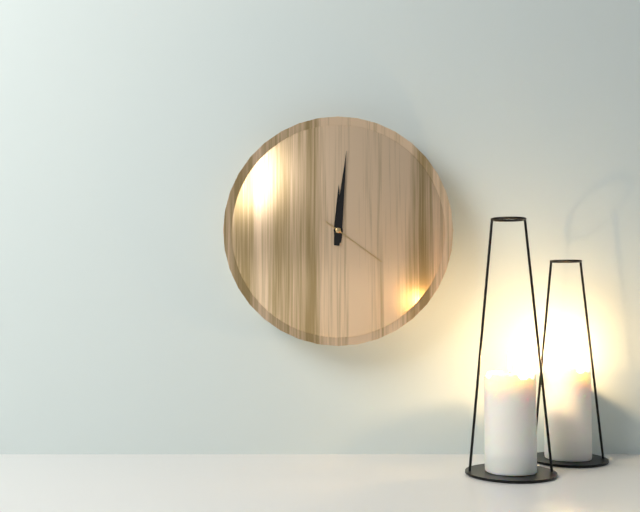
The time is 12:01:21
